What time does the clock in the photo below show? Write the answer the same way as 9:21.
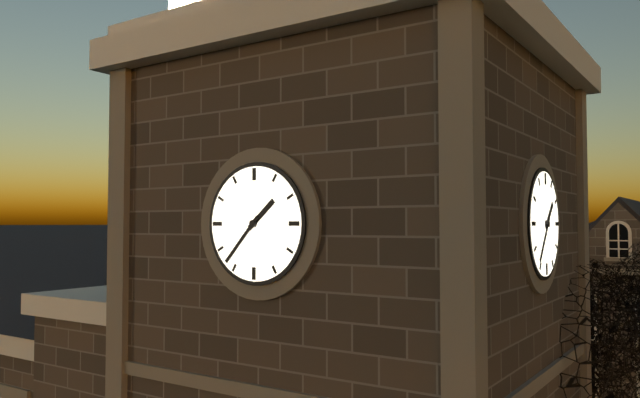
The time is 1:37
